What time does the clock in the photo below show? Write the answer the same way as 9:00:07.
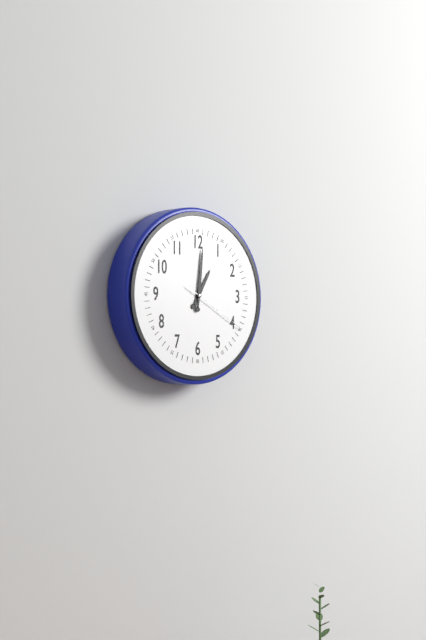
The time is 1:01:20
